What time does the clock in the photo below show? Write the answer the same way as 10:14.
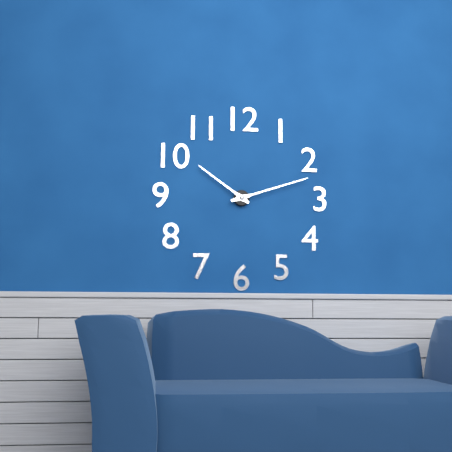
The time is 10:12
